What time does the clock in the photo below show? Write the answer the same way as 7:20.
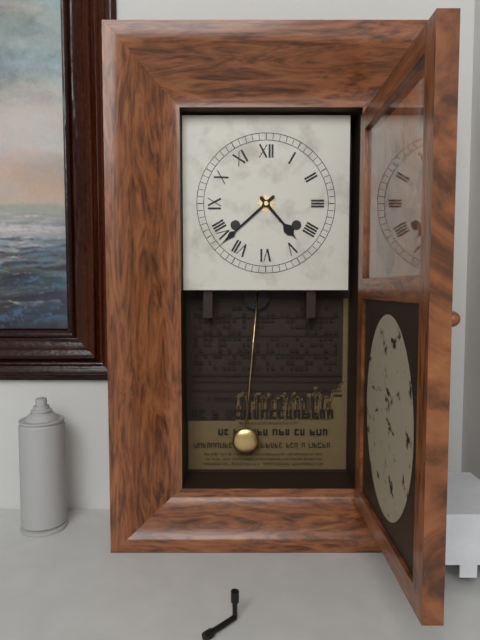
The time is 4:38
